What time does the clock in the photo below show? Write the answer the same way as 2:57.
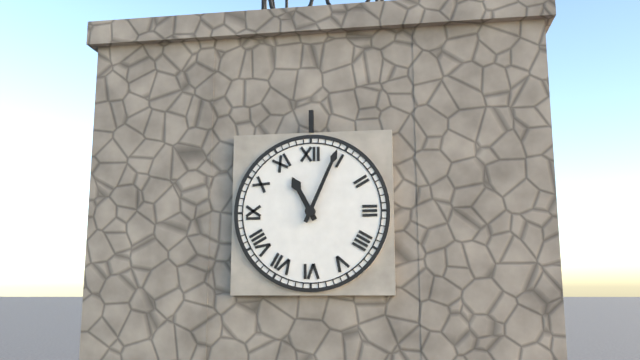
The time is 11:04
